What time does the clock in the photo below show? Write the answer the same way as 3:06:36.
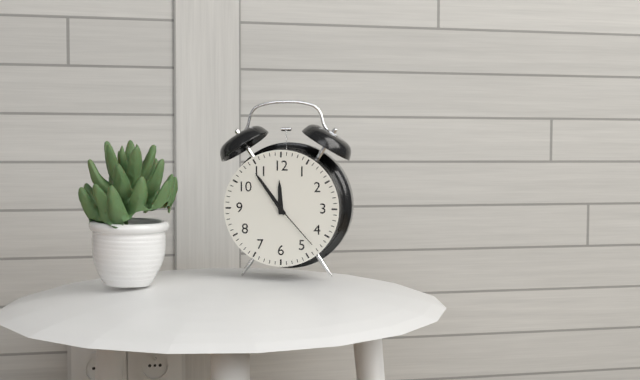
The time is 11:54:23
